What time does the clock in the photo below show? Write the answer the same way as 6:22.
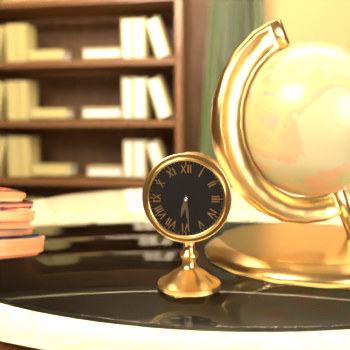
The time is 6:29
